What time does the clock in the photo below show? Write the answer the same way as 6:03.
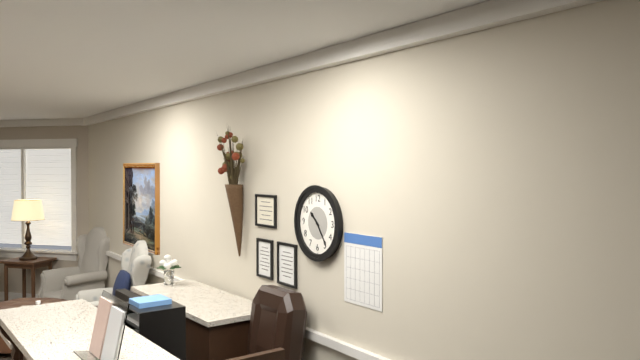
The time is 10:24
